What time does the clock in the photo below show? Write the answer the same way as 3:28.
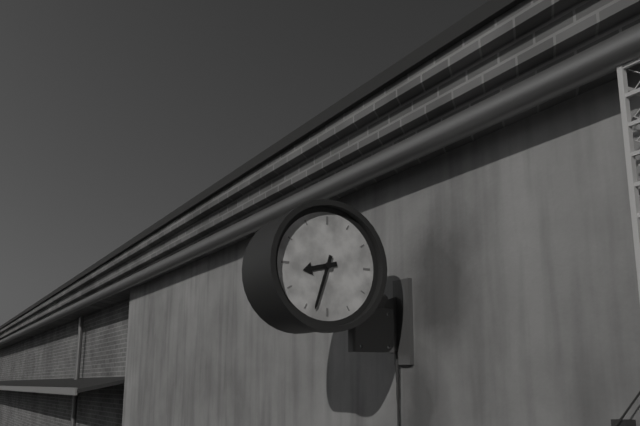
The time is 8:33
